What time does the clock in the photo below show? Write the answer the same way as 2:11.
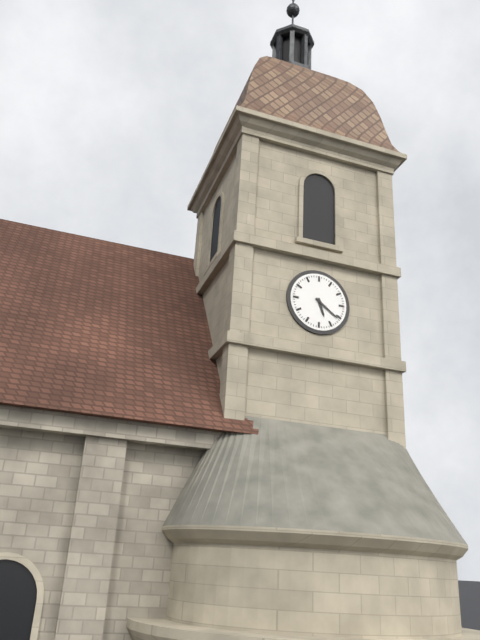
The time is 5:21
